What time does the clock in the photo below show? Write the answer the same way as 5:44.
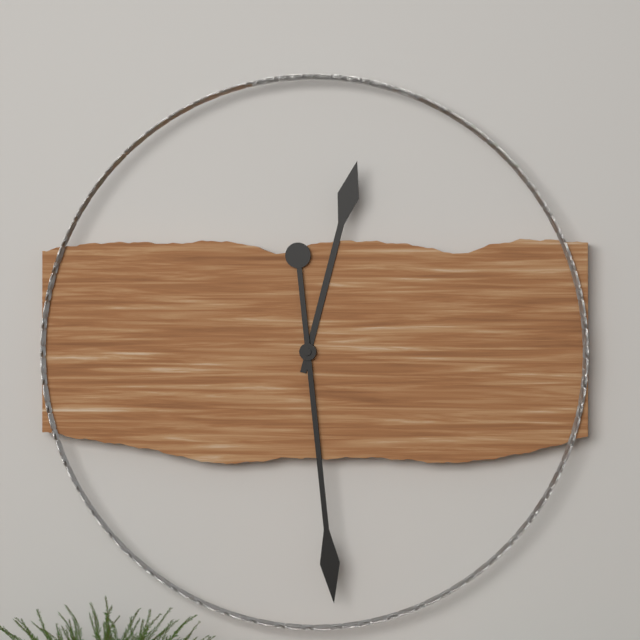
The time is 12:29
